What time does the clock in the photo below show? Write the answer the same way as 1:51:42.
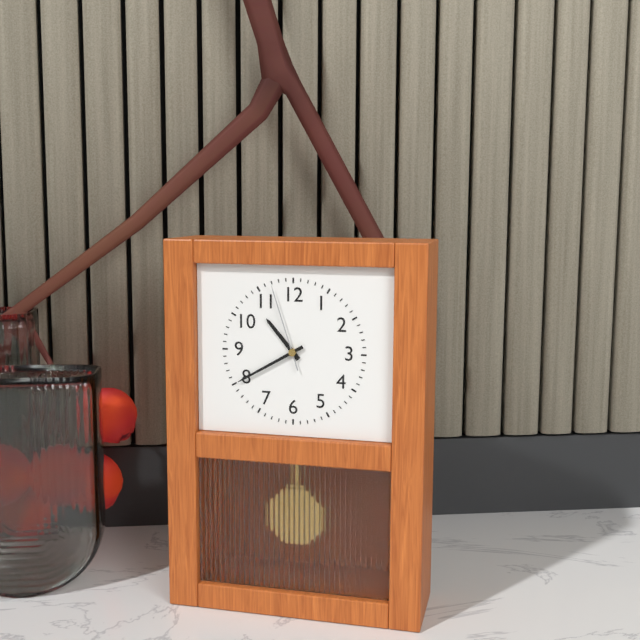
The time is 10:40:57
